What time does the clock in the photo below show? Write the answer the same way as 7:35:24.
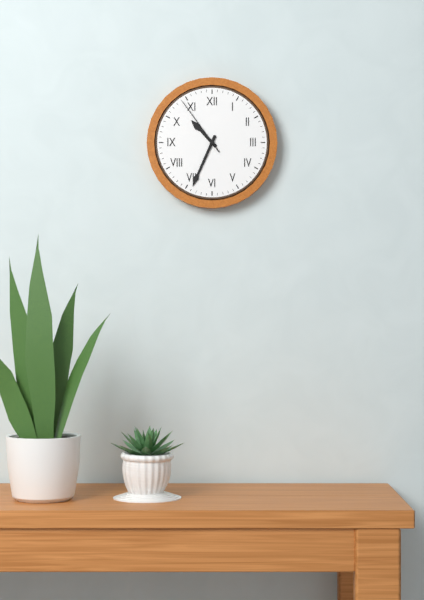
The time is 10:34:54
